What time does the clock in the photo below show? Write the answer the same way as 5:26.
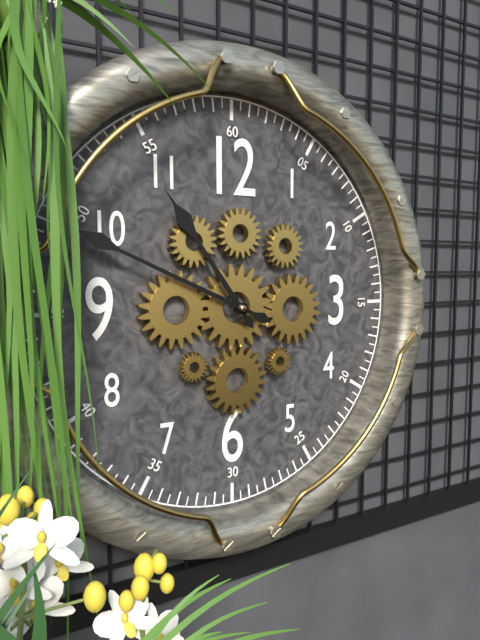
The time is 10:49
